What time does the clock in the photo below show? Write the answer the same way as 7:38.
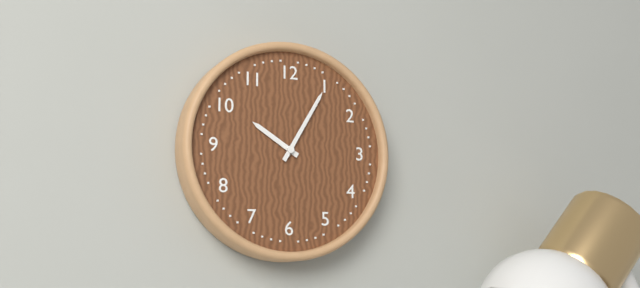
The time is 10:05
